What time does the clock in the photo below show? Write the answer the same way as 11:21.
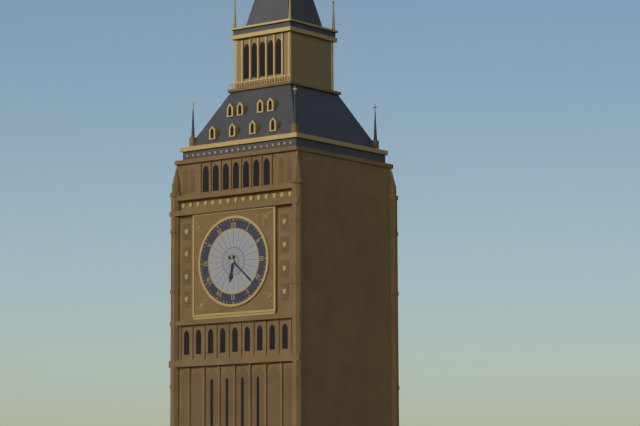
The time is 6:22
